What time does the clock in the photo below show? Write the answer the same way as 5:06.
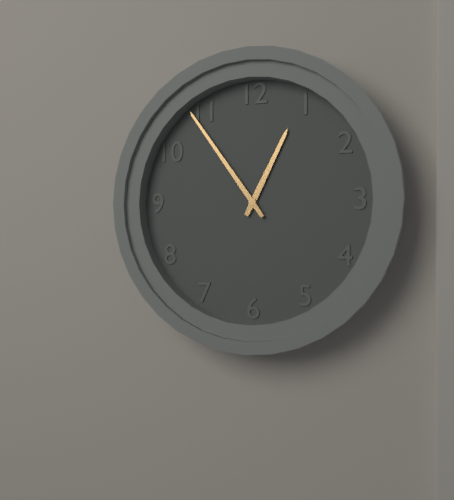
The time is 12:54
